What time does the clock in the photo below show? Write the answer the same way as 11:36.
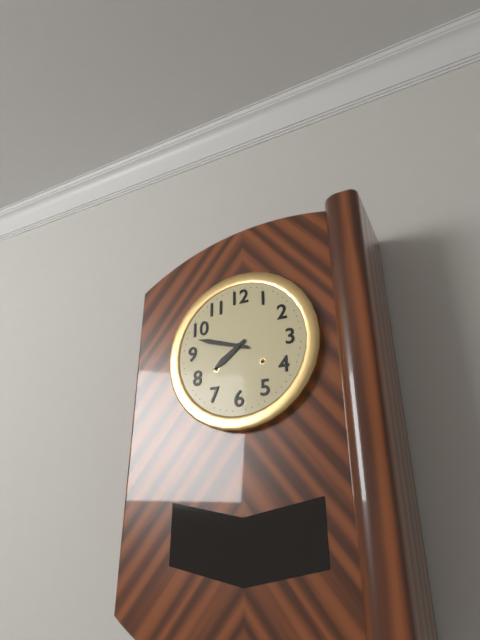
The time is 7:48
